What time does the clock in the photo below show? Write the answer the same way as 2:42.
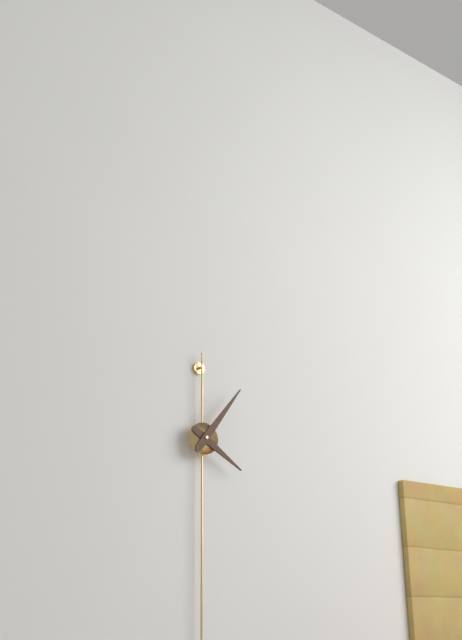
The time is 4:06
